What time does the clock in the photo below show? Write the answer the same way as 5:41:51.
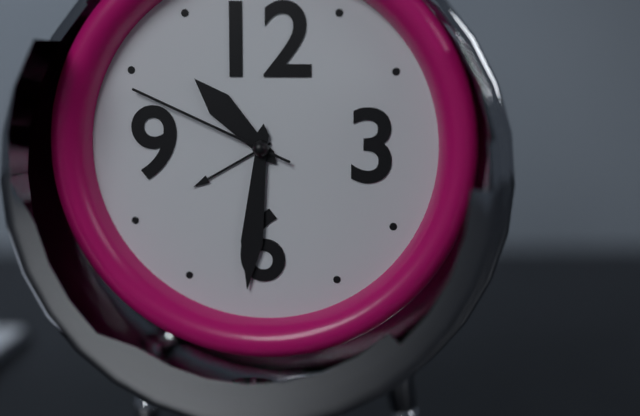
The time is 10:31:49
